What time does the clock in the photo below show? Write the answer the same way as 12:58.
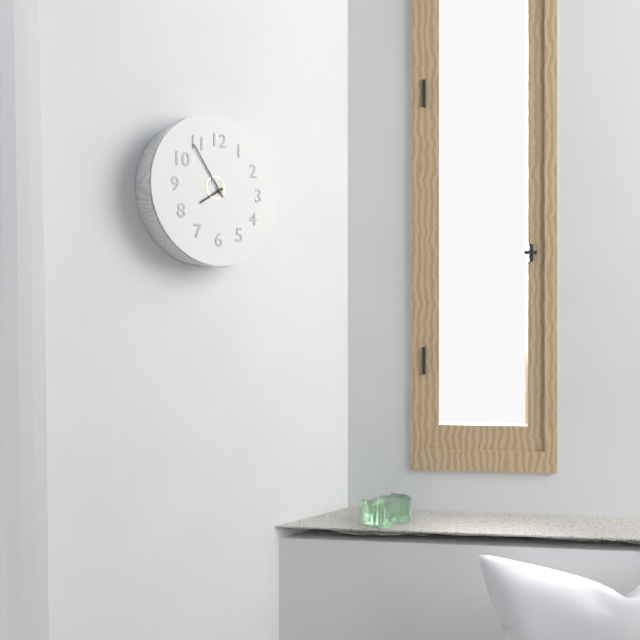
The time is 7:54
